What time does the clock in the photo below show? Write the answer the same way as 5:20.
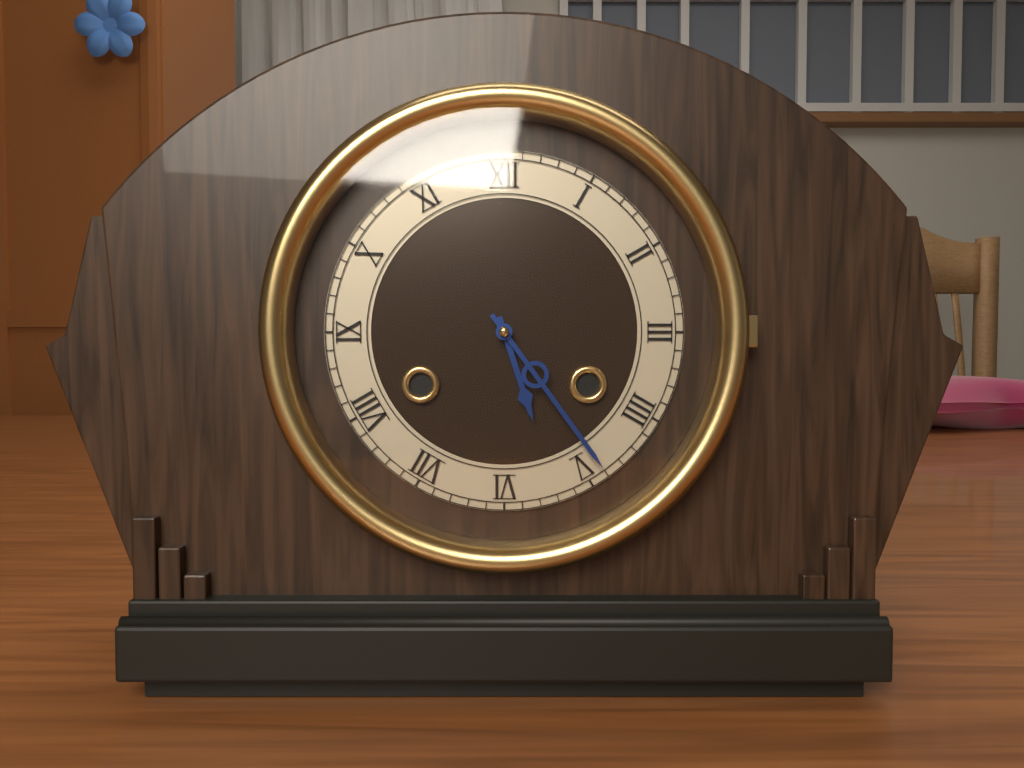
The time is 5:24
